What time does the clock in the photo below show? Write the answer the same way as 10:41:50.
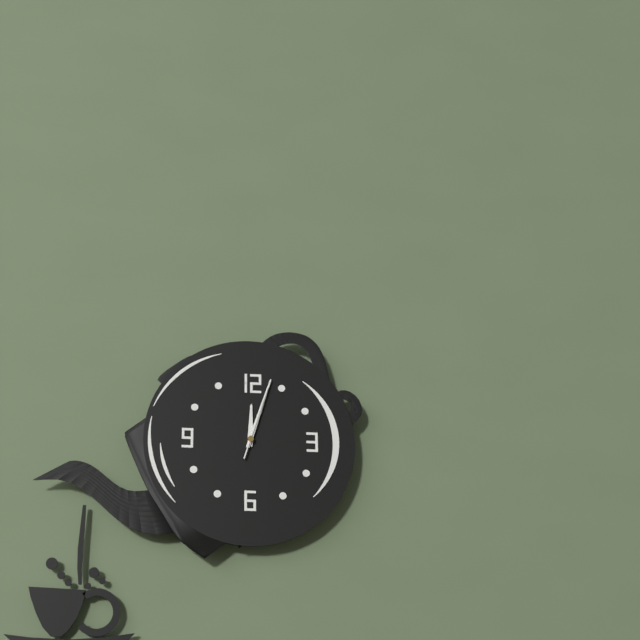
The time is 12:03:03
